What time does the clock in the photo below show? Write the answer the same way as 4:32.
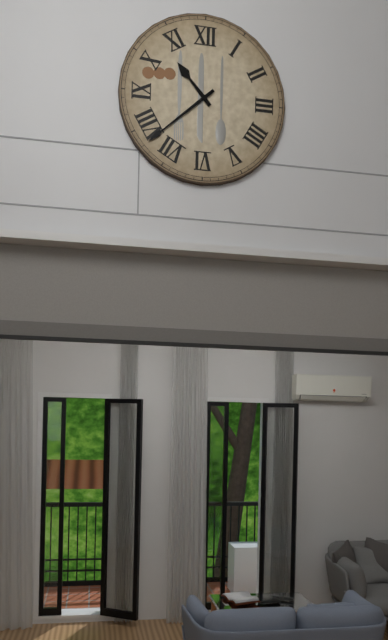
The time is 10:38
